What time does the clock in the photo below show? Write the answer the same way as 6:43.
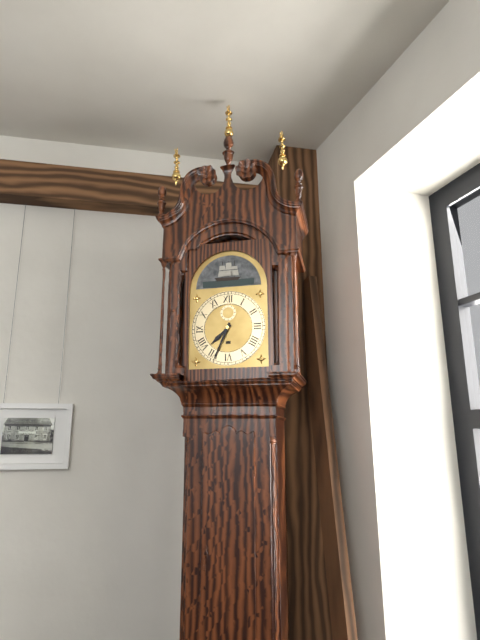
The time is 7:34
